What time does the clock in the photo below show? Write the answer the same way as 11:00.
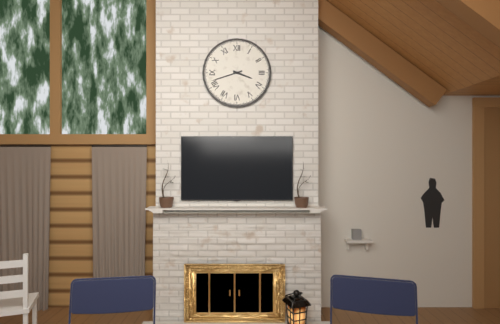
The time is 3:42
